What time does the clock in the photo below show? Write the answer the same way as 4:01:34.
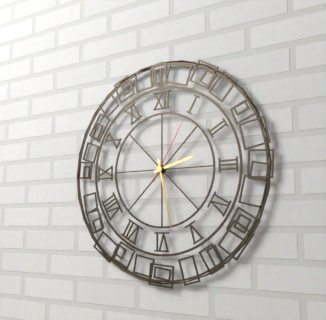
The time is 2:28:05
